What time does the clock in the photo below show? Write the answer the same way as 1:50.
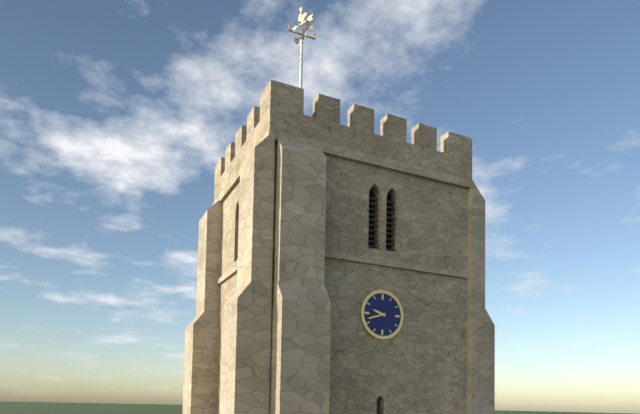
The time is 9:42
